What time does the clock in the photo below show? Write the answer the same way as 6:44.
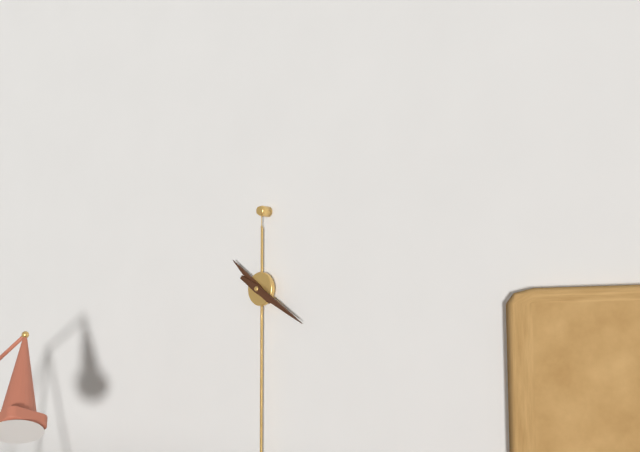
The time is 10:20
